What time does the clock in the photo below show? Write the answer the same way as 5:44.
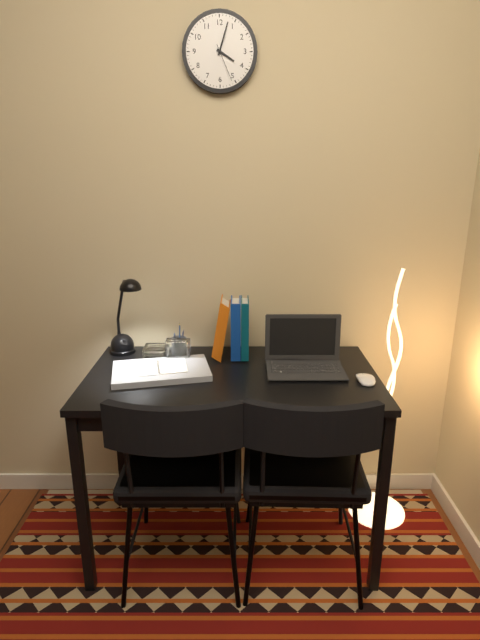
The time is 4:03
